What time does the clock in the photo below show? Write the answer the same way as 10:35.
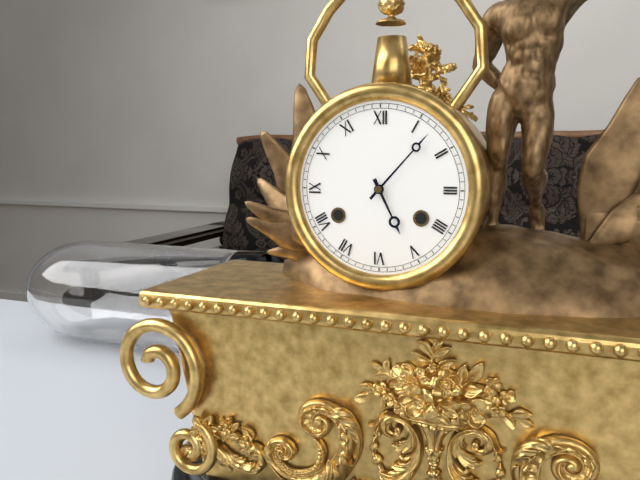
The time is 5:07
